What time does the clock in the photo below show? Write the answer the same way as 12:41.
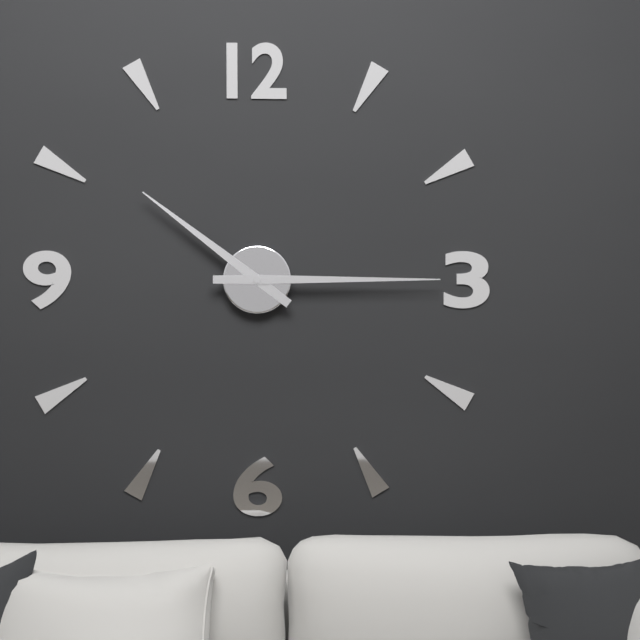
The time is 10:15
